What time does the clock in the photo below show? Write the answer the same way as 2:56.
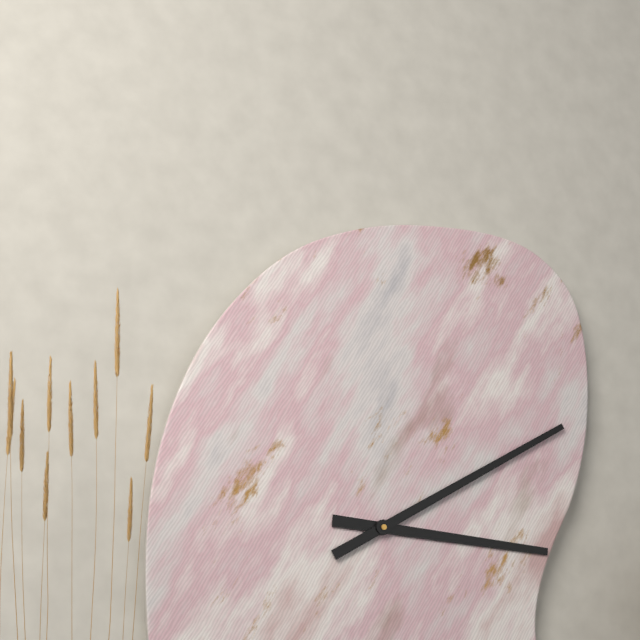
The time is 3:10
